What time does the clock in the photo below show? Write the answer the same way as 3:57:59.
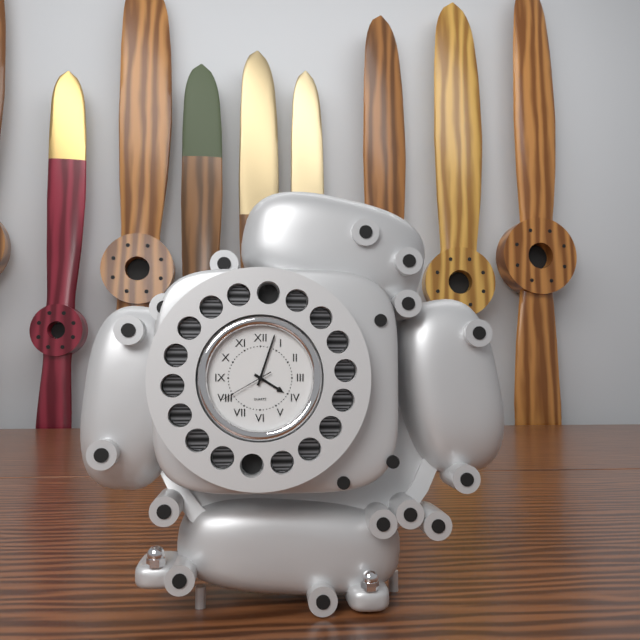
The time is 4:03:40
